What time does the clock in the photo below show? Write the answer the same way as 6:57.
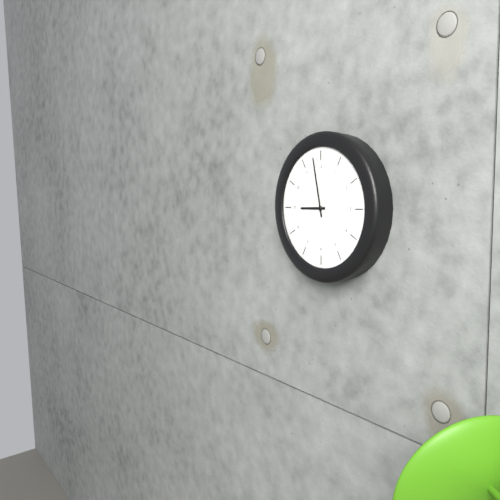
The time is 8:58
